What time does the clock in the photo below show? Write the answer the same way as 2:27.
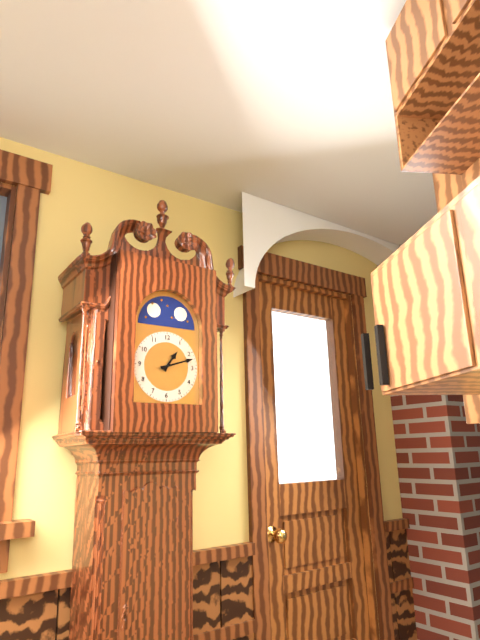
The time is 1:12
